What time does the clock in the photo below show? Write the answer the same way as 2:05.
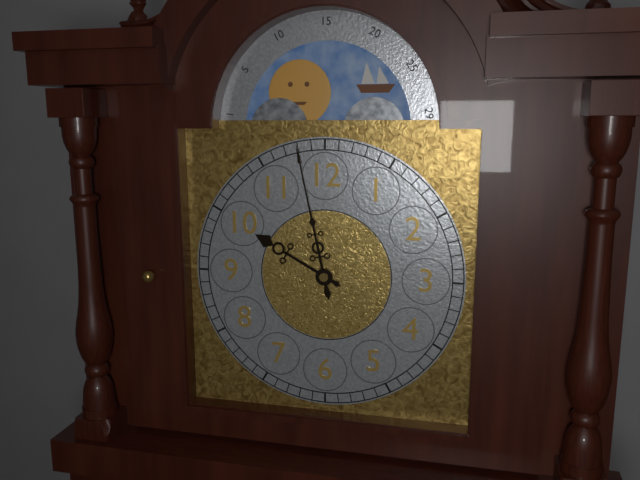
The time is 9:58
